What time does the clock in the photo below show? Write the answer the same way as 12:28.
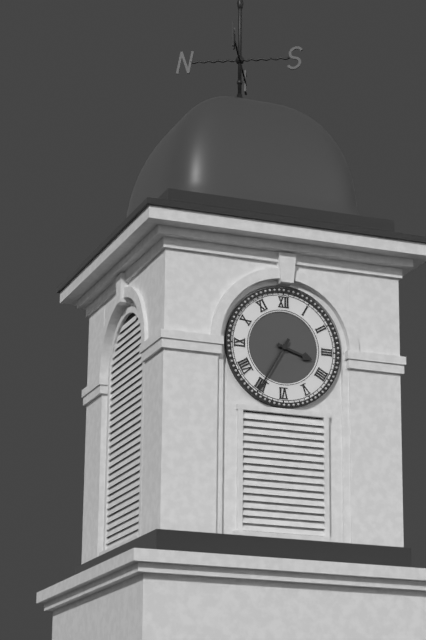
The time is 3:35
